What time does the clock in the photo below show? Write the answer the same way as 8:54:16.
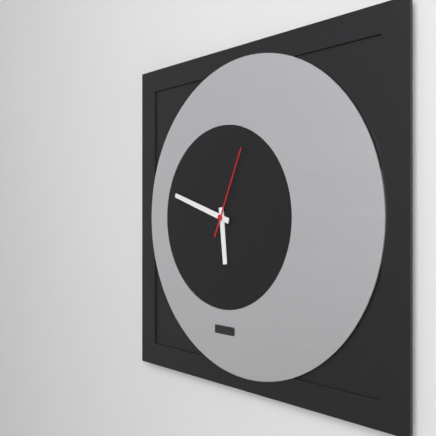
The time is 5:48:04
